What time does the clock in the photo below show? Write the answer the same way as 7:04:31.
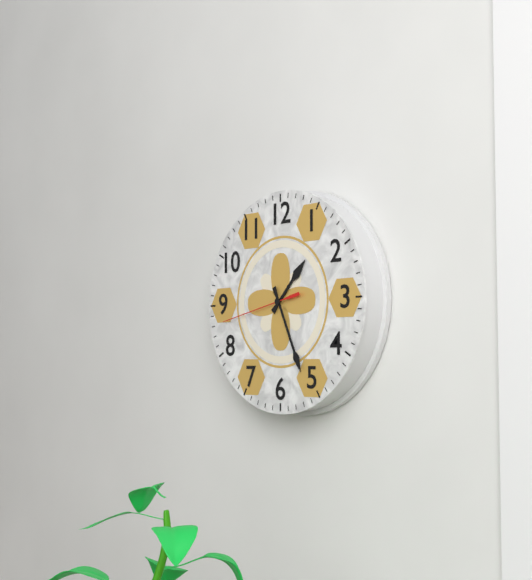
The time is 1:26:43
